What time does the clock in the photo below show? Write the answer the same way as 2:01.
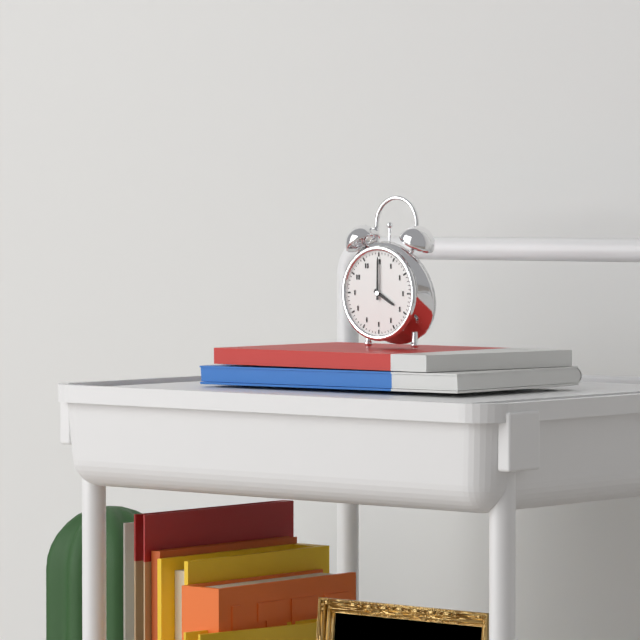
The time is 4:00
